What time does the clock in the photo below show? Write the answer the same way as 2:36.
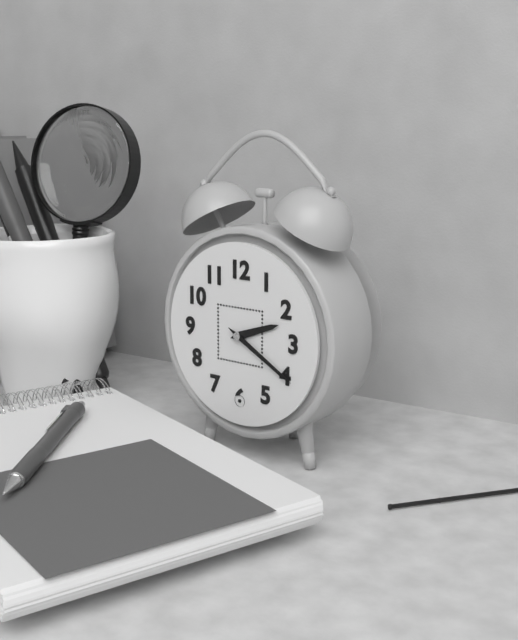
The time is 2:20
